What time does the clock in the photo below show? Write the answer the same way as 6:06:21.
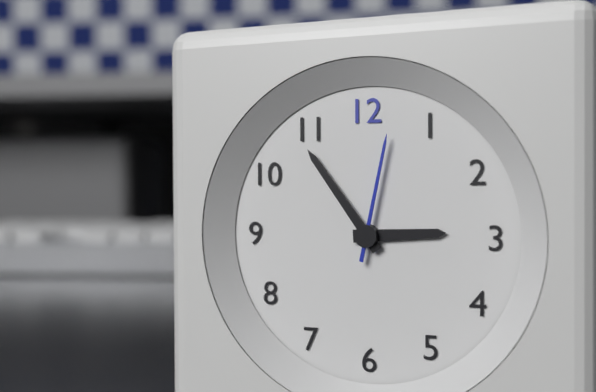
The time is 2:54:02
